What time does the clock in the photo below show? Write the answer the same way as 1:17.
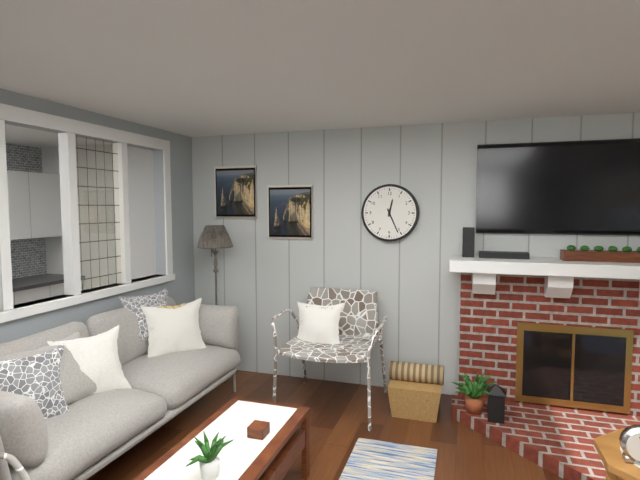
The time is 12:26
